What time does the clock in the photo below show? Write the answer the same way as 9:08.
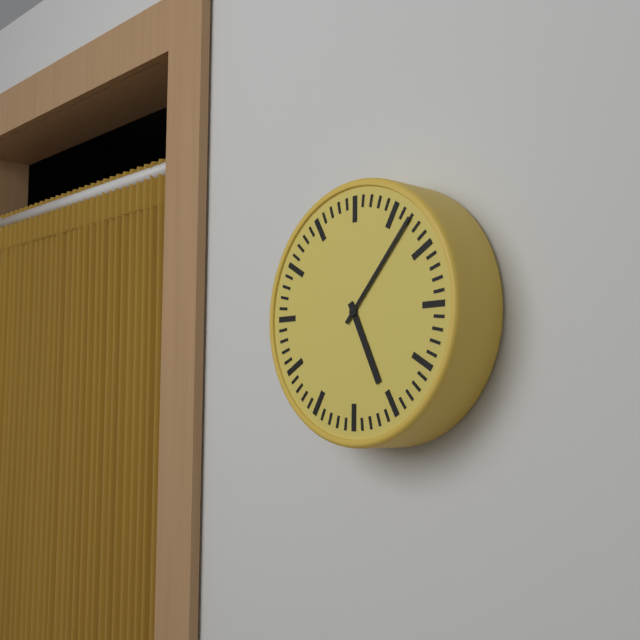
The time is 5:07
